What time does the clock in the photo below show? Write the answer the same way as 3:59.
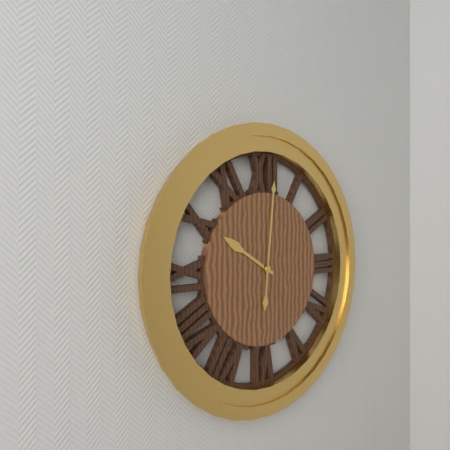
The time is 10:01
